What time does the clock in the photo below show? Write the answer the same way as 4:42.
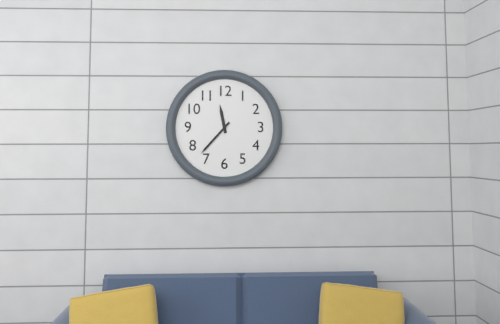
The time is 11:37
